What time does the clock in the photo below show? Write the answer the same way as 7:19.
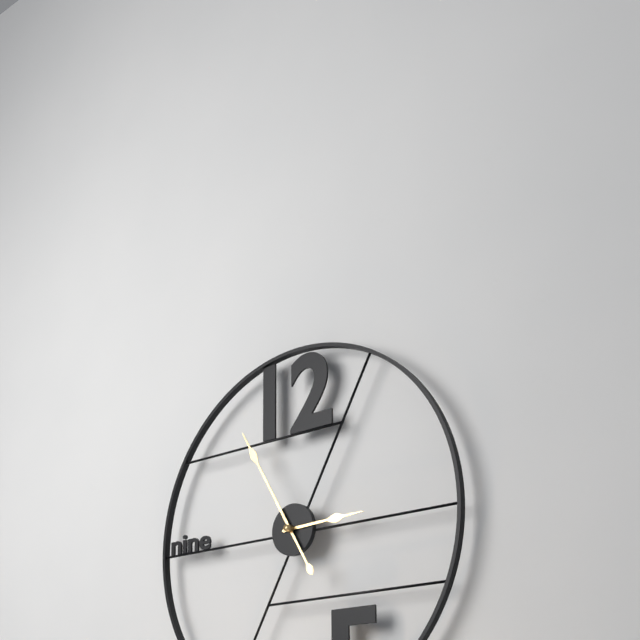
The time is 2:55
